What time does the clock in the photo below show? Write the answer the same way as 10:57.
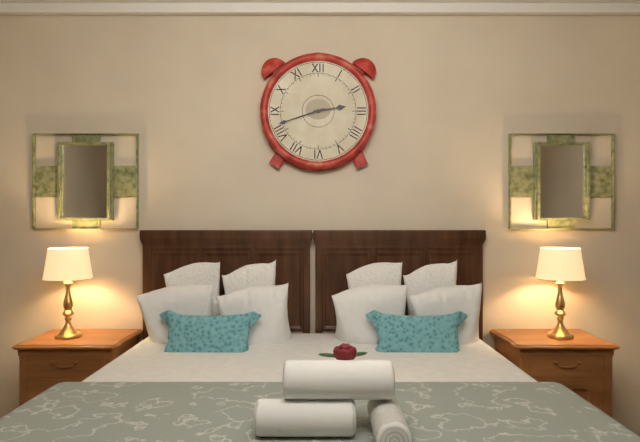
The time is 2:42
